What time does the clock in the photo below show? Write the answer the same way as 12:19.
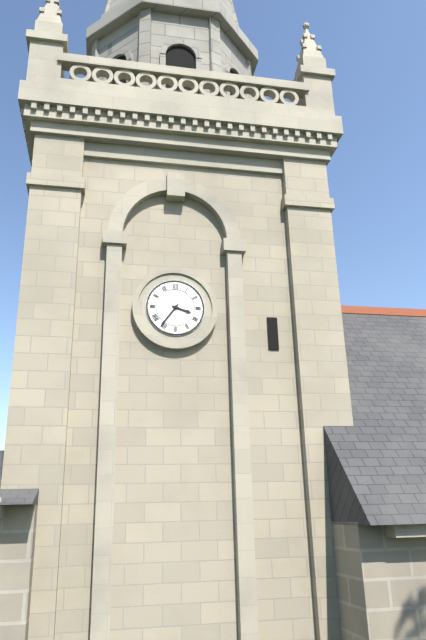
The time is 3:36
